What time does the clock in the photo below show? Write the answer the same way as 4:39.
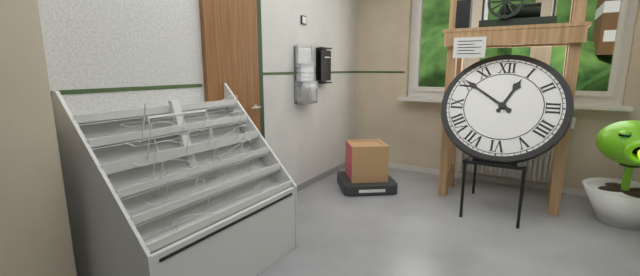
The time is 12:51
